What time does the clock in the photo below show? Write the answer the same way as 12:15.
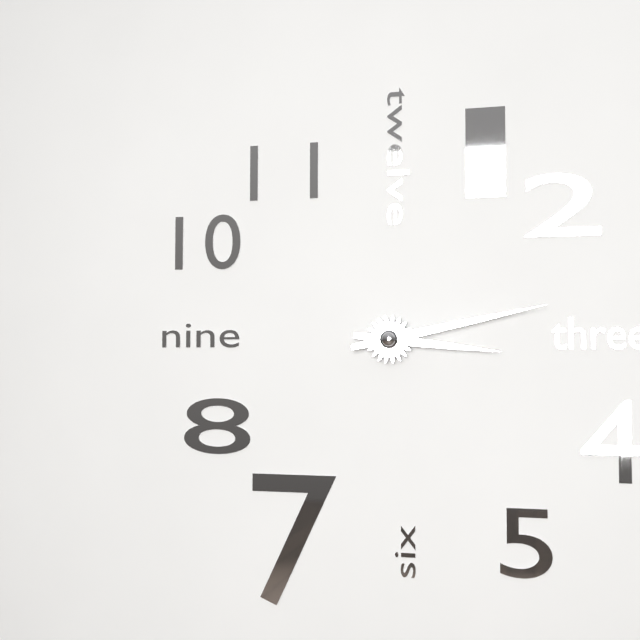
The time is 3:13
